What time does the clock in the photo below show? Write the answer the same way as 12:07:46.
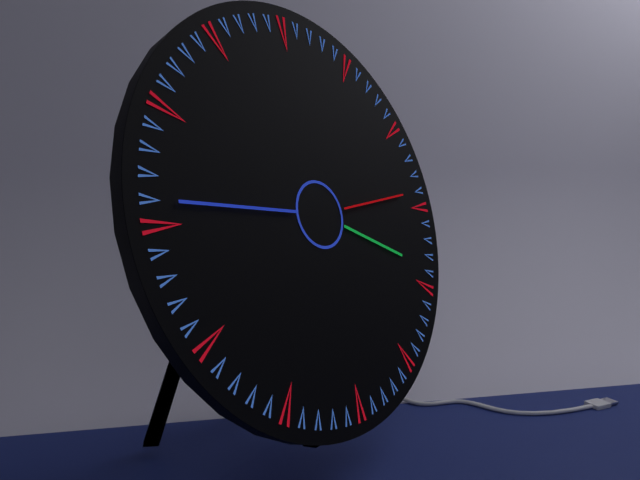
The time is 3:46:14
